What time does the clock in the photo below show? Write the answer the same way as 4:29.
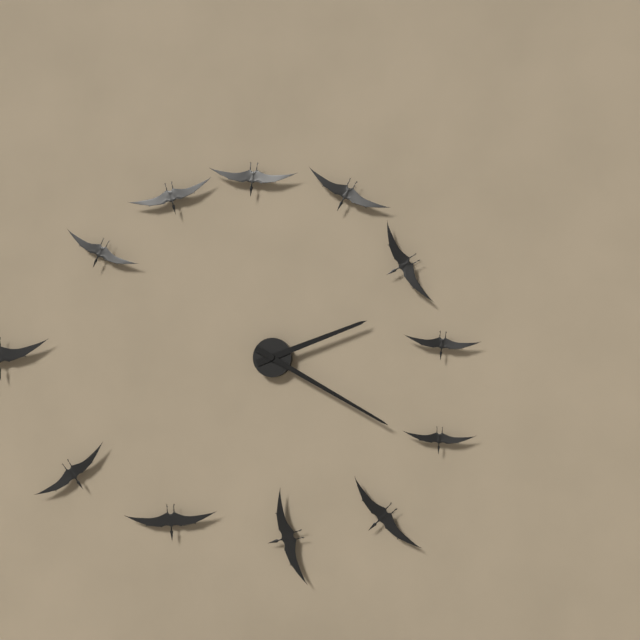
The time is 2:20
